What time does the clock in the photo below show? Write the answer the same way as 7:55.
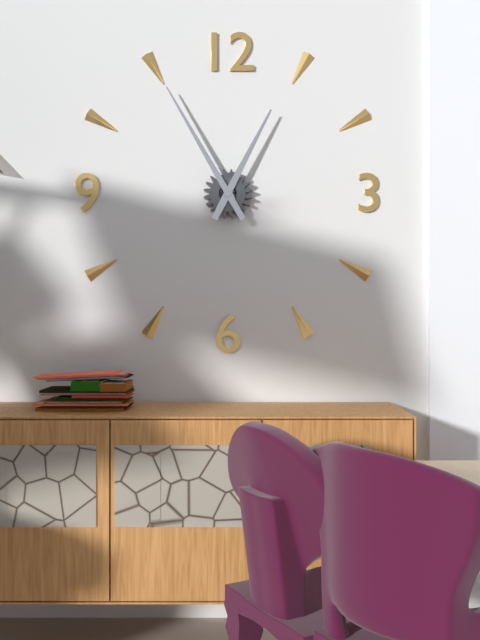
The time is 12:55
